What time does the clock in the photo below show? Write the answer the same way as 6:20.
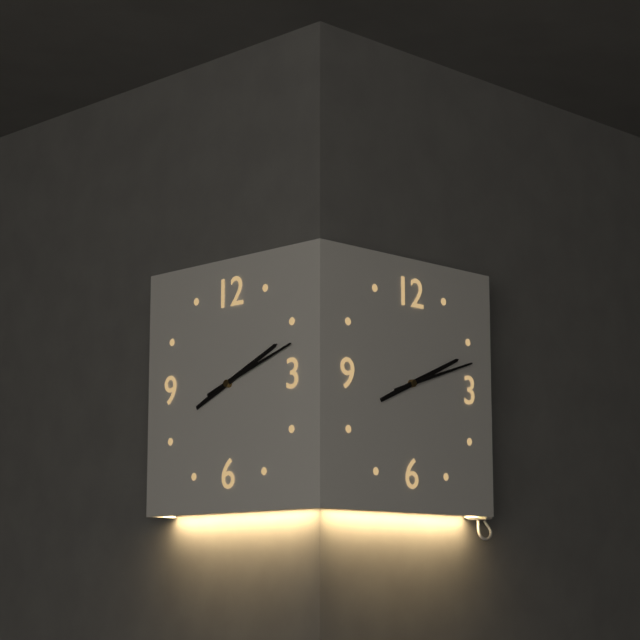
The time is 2:12
